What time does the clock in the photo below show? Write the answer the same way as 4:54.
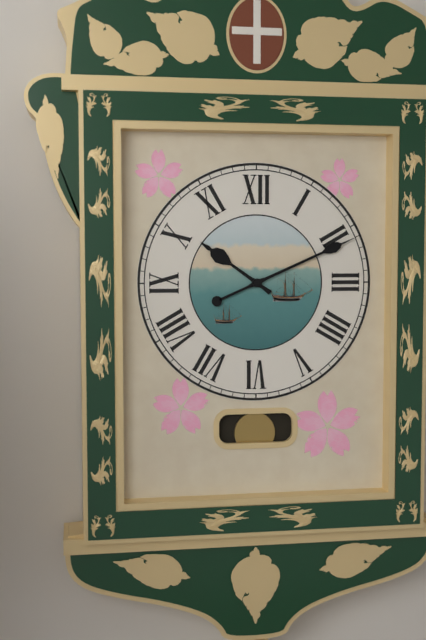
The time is 10:11
